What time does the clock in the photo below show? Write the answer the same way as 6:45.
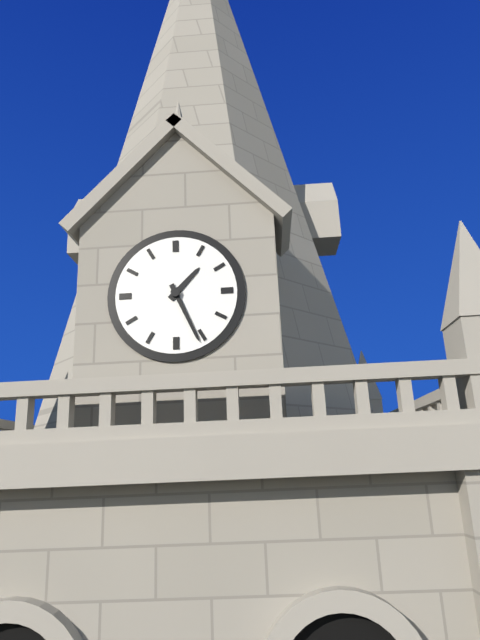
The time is 1:26
